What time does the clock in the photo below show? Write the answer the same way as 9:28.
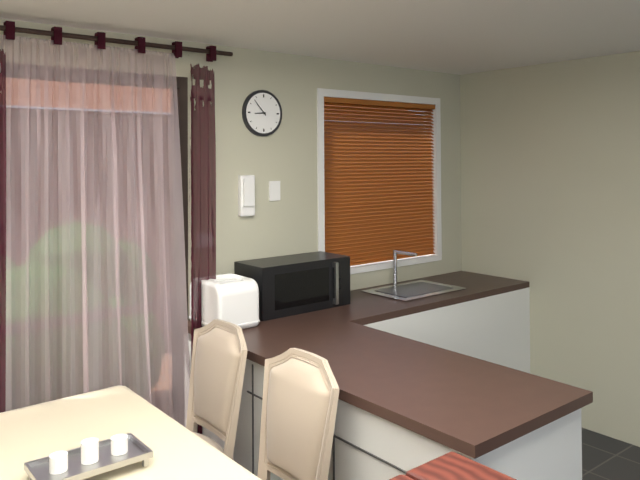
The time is 8:53
